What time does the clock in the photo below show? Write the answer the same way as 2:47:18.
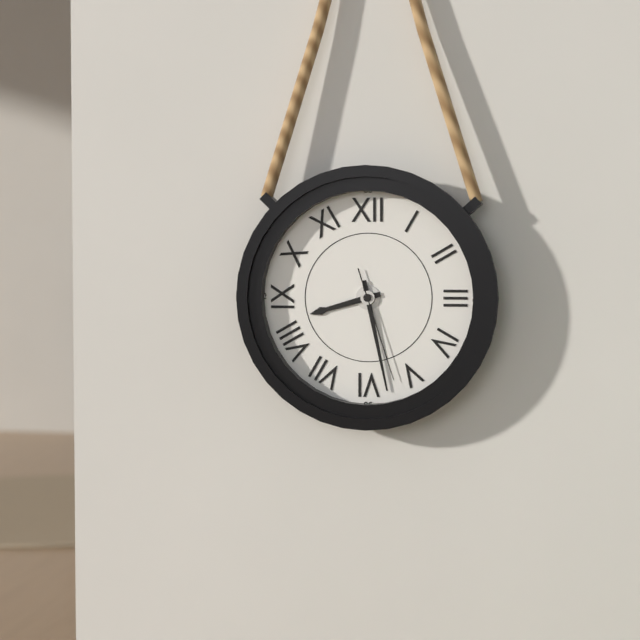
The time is 8:28:27
